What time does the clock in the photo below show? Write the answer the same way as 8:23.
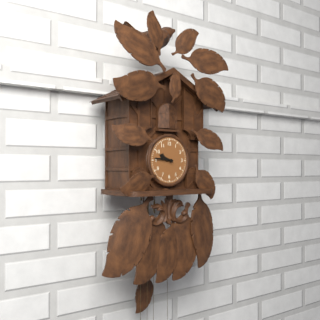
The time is 9:46
